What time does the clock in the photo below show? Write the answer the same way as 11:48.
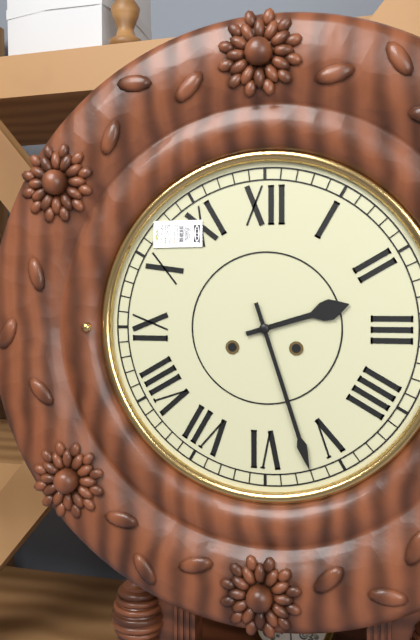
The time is 2:27
